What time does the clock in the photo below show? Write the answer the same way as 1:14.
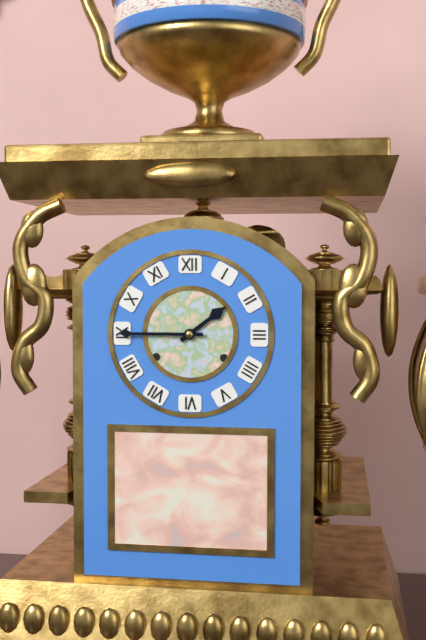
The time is 1:45
